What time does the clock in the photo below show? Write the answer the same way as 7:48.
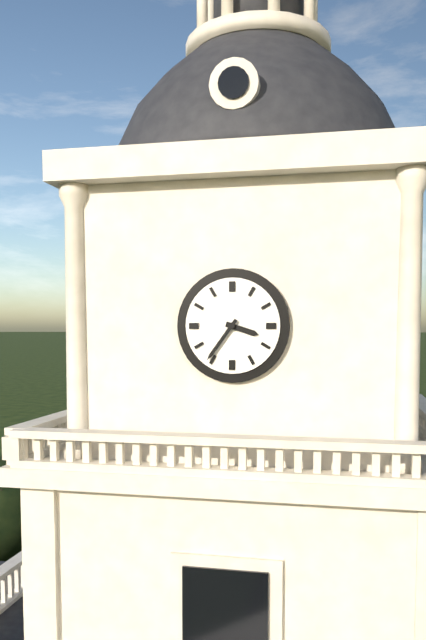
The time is 3:36
